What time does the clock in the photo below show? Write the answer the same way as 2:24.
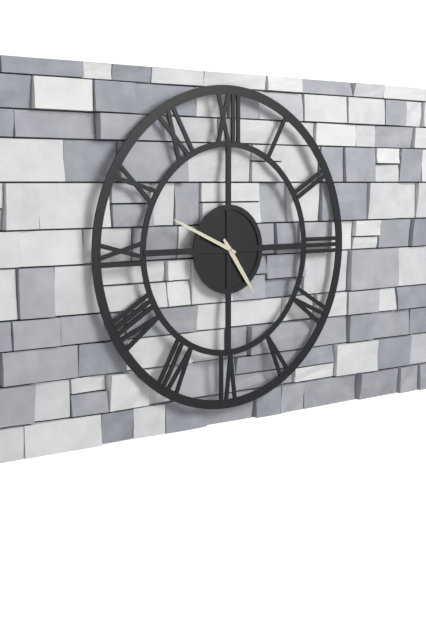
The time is 4:49
